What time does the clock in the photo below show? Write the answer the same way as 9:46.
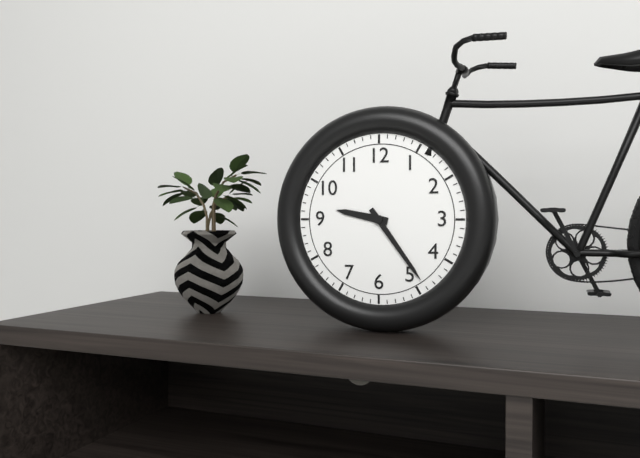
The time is 9:24
